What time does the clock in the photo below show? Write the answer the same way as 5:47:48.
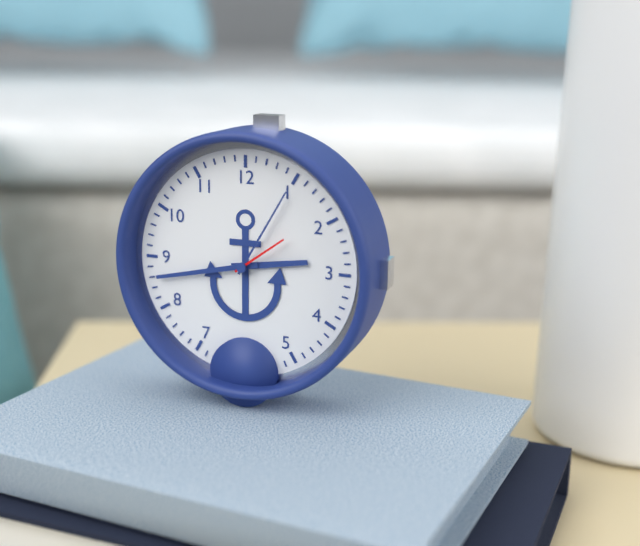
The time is 2:43:09
